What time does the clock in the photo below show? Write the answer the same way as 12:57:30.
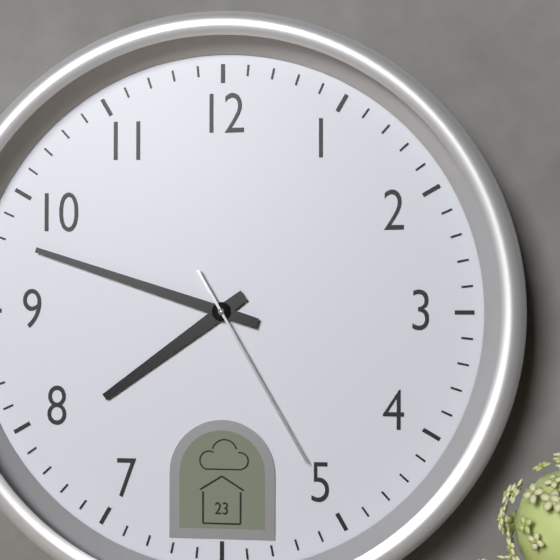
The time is 7:48:25
